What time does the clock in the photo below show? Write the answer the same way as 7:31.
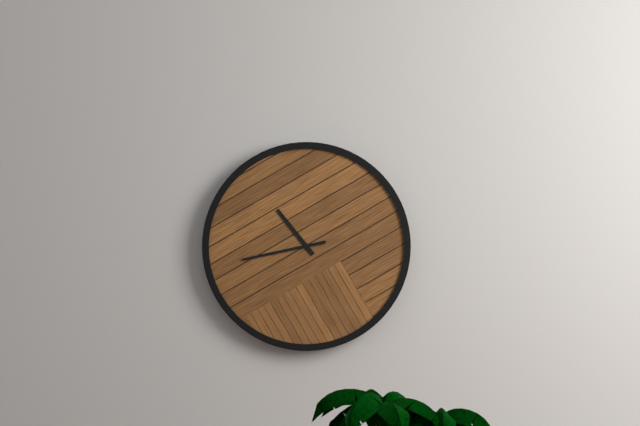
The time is 10:43
